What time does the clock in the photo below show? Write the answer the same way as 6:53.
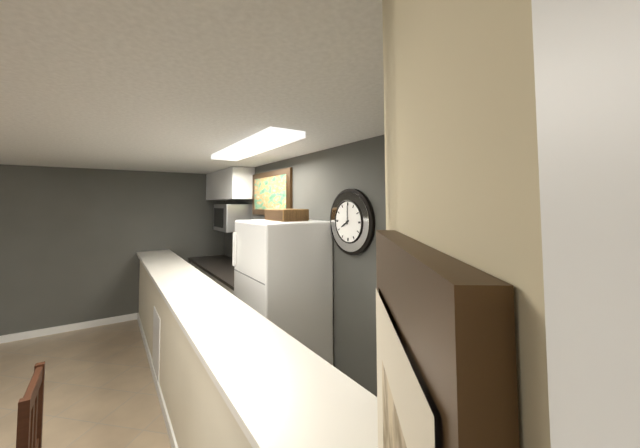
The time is 8:00
